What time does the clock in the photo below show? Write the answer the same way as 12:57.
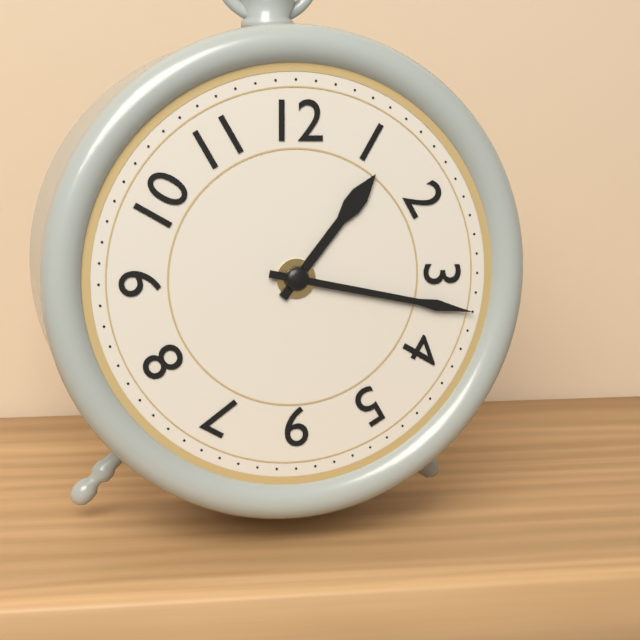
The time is 1:17
